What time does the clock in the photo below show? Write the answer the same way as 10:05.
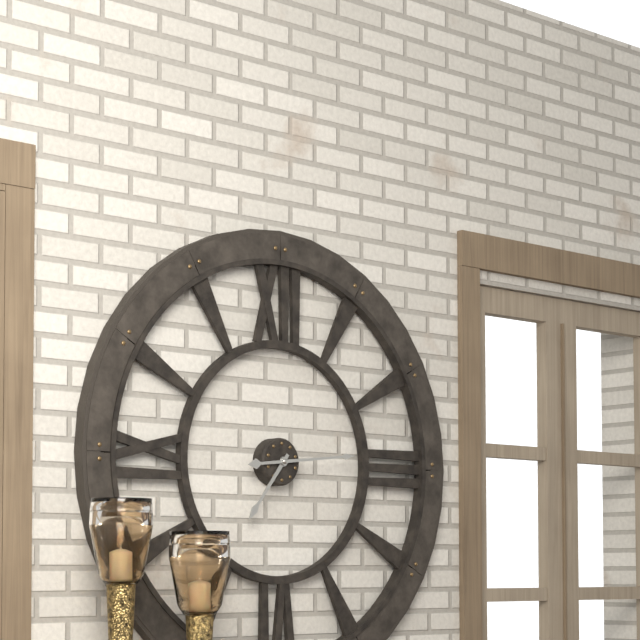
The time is 7:14
